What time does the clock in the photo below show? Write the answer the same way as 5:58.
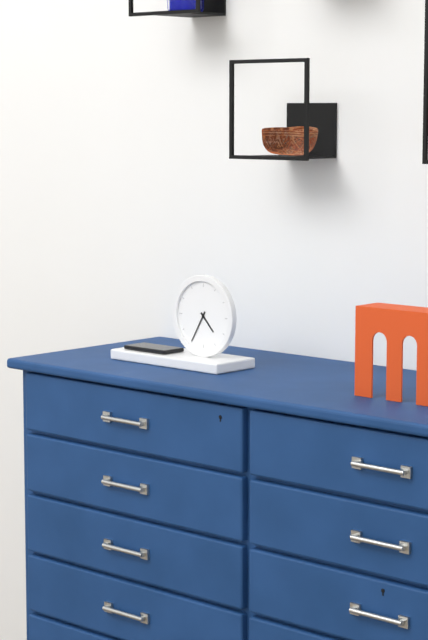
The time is 4:35
